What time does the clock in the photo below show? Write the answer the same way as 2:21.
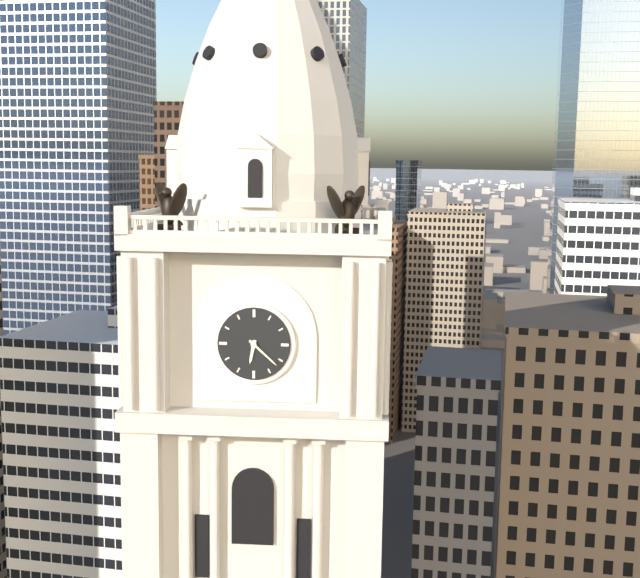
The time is 6:22
